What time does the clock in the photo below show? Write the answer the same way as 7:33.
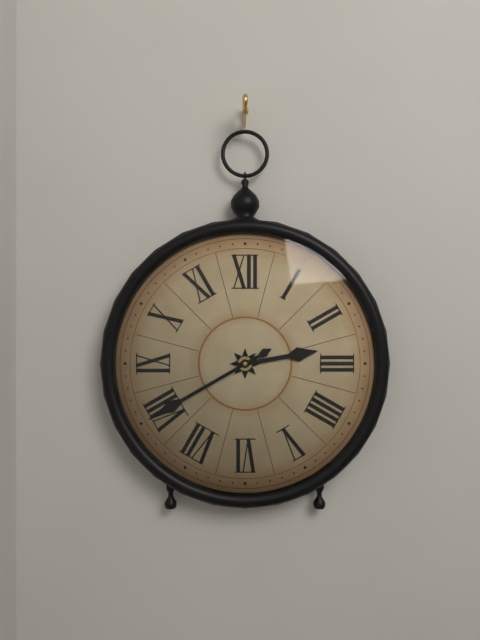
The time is 2:40
